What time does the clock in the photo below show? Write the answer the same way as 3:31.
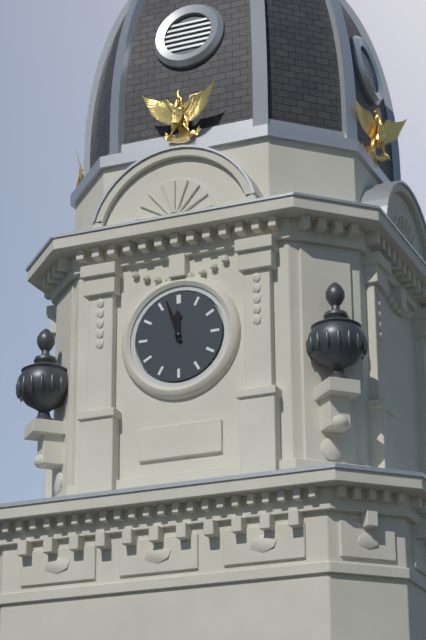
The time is 11:57
